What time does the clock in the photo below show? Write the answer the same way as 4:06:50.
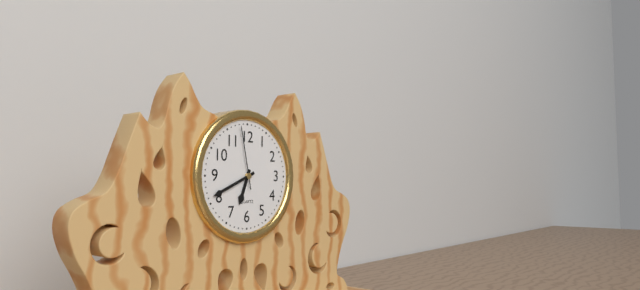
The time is 6:41:58
